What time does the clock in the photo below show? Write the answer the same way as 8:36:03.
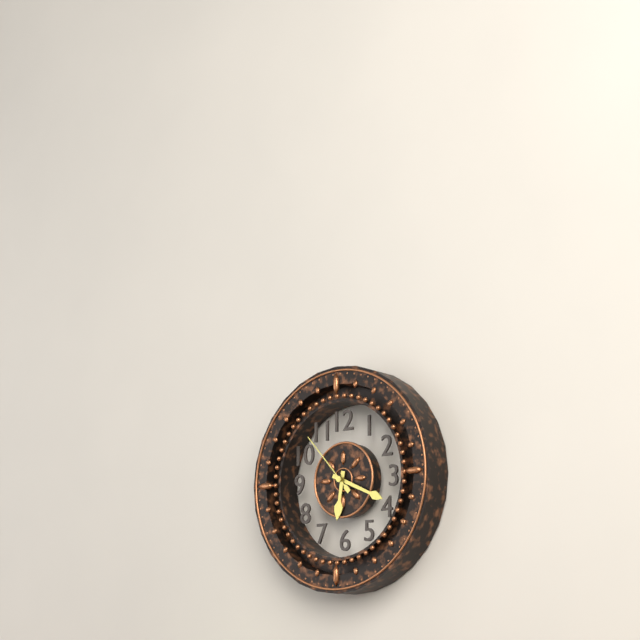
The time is 6:19:53
